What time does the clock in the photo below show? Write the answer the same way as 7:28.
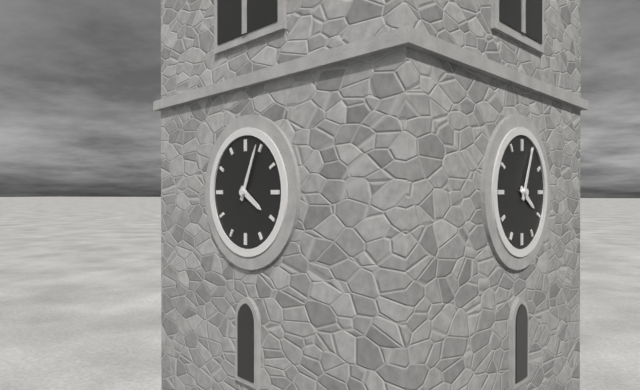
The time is 4:04
